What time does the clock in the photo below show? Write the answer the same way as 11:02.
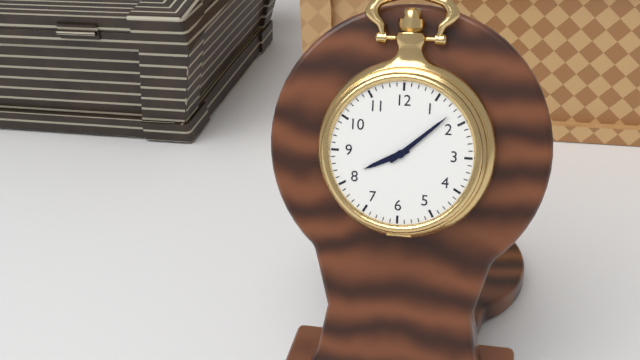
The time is 8:08
